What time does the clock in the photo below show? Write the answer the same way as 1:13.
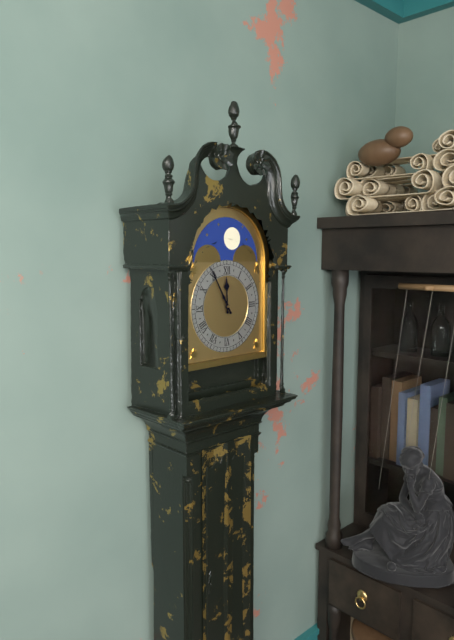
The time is 11:55
